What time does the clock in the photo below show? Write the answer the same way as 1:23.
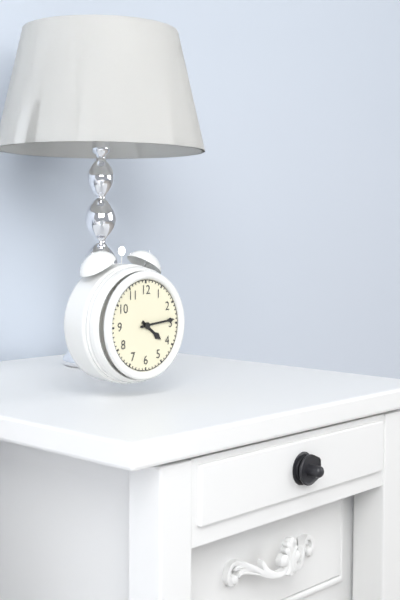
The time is 4:14
